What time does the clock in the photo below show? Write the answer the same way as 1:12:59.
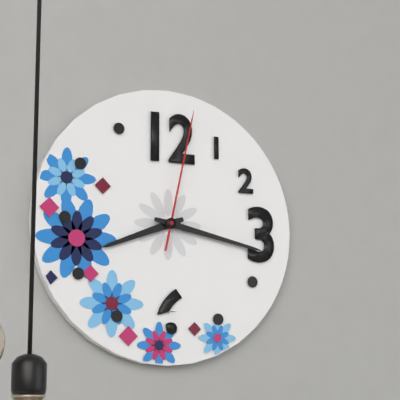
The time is 8:17:02
